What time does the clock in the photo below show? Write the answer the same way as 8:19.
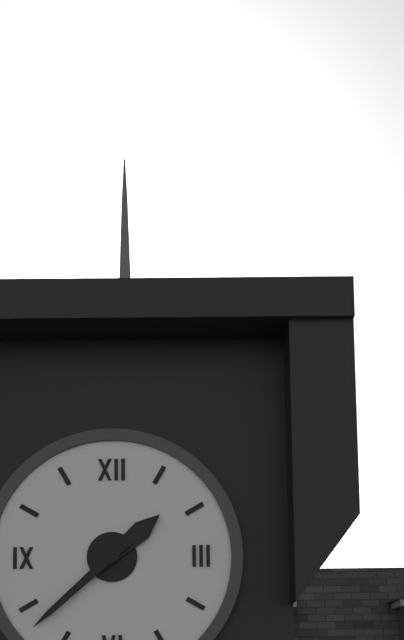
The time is 1:38
